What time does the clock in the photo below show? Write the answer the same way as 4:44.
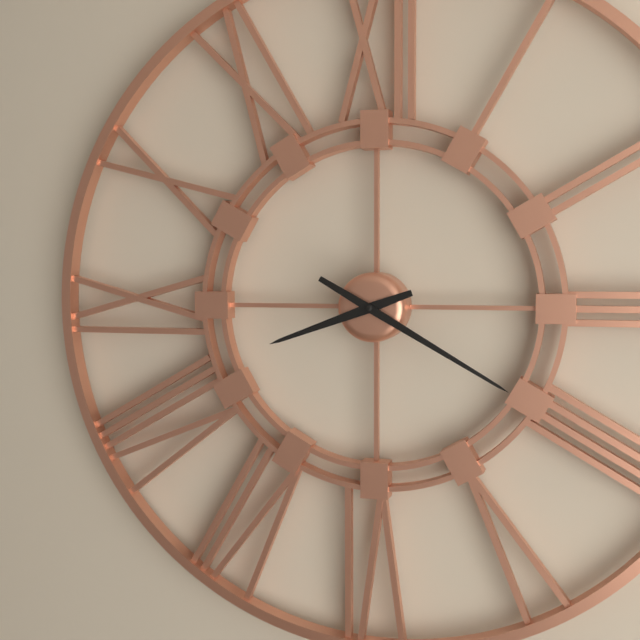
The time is 8:20
